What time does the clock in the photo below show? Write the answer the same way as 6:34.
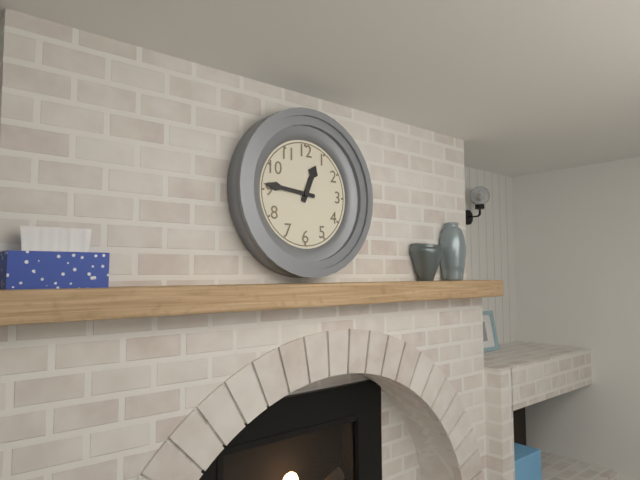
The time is 12:46
